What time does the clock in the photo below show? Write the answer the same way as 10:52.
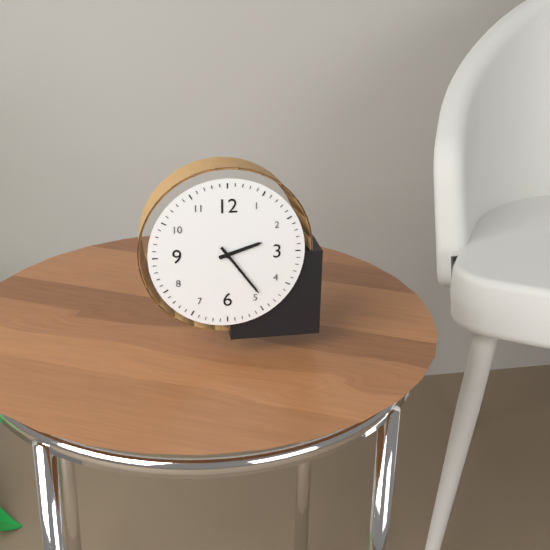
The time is 2:24
